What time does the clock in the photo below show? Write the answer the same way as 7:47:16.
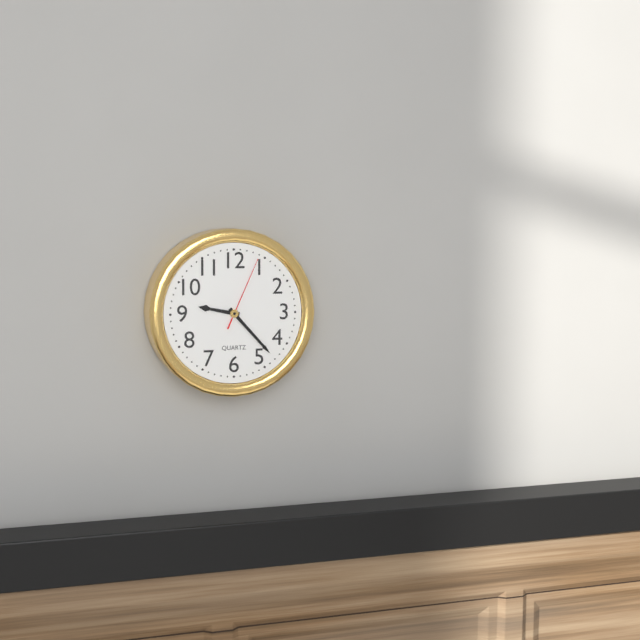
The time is 9:23:04
